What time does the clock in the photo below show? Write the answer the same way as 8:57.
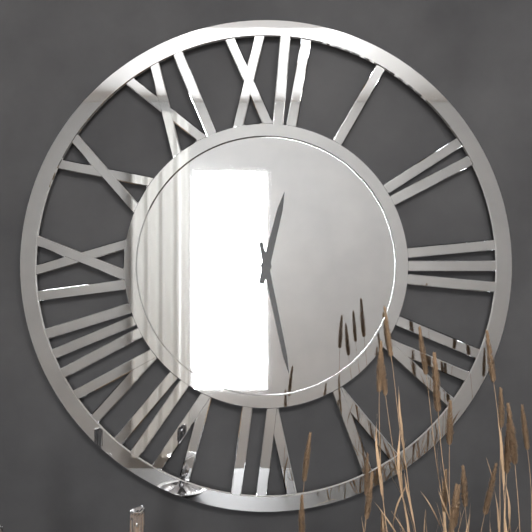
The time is 12:28
